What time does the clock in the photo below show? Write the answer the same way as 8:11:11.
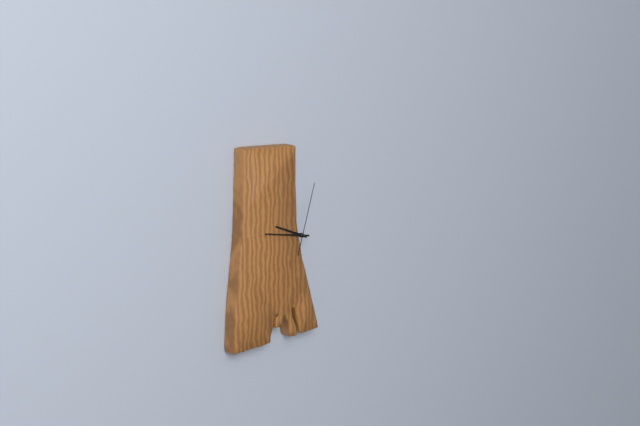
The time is 9:47:03
